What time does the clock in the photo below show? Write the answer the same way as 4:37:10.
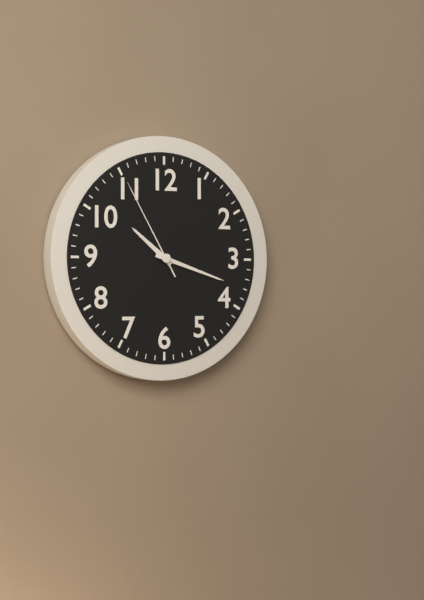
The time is 10:18:55
